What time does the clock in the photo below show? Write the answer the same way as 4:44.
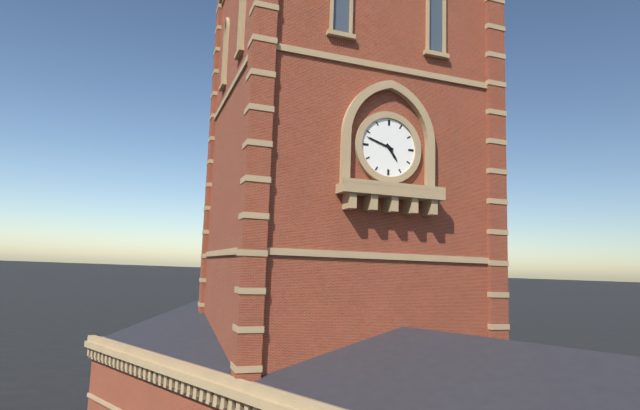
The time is 4:48
